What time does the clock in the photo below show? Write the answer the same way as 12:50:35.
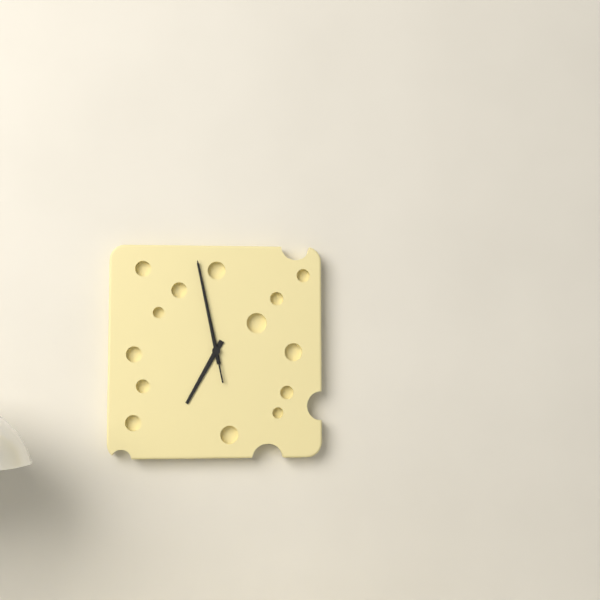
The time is 6:58:58
